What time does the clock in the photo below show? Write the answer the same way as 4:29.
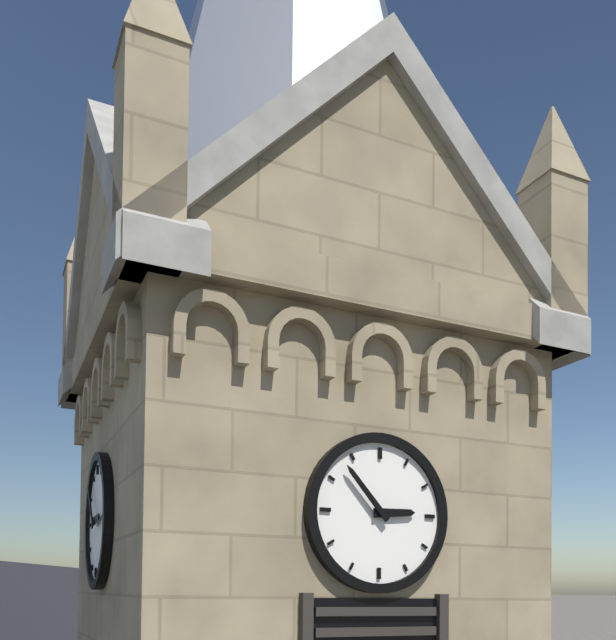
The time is 2:53
